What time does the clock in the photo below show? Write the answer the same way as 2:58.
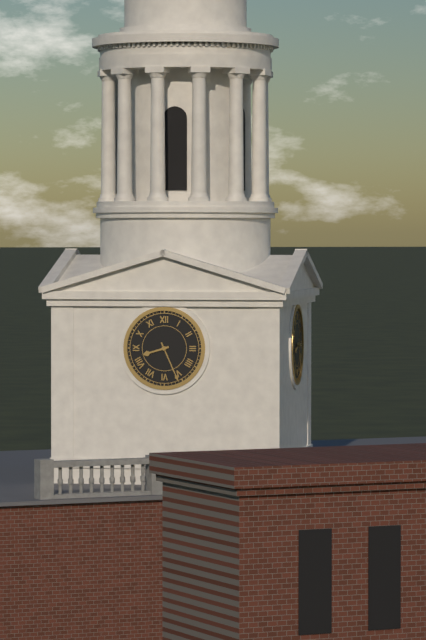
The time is 8:26
